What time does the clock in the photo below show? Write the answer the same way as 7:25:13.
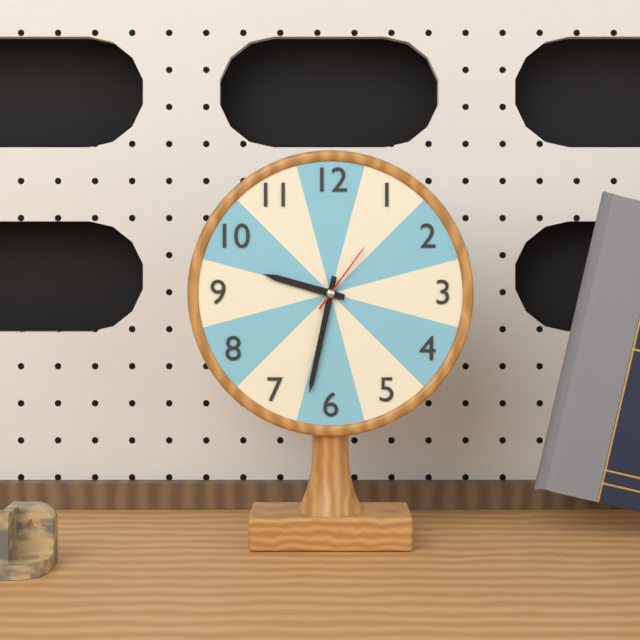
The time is 9:32:06
